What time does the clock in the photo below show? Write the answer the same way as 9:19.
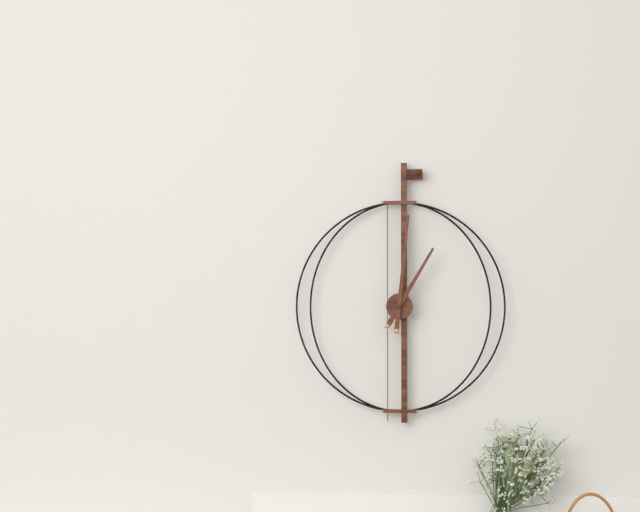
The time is 1:01
